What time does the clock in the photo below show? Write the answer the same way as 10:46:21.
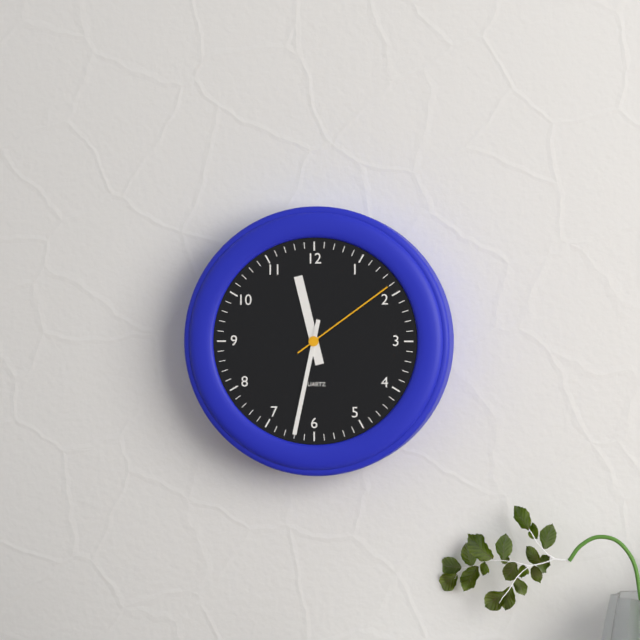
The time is 11:32:09
